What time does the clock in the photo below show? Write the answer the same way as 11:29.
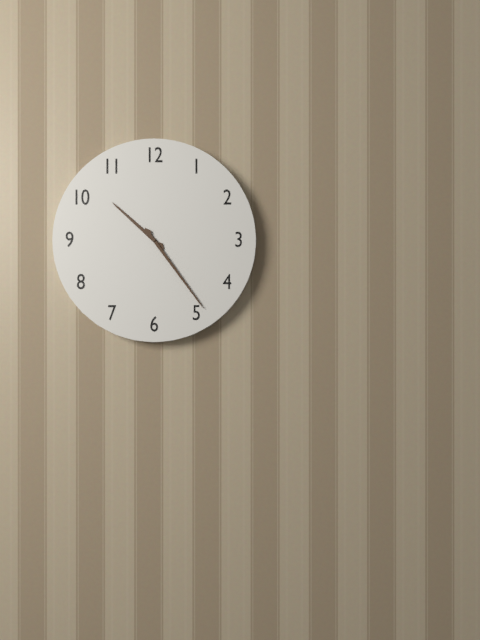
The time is 10:24
